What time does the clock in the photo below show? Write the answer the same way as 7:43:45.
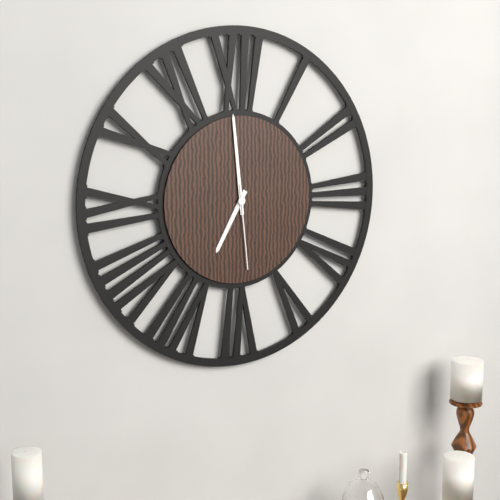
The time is 6:59:29
